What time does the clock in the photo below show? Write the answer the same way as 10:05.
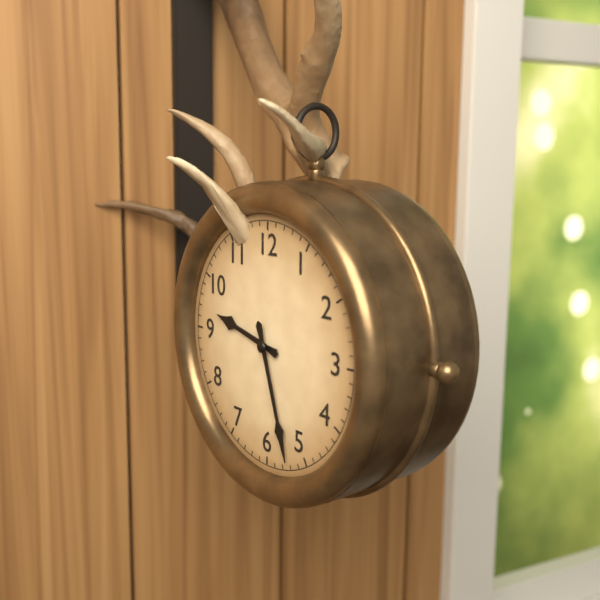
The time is 9:27
